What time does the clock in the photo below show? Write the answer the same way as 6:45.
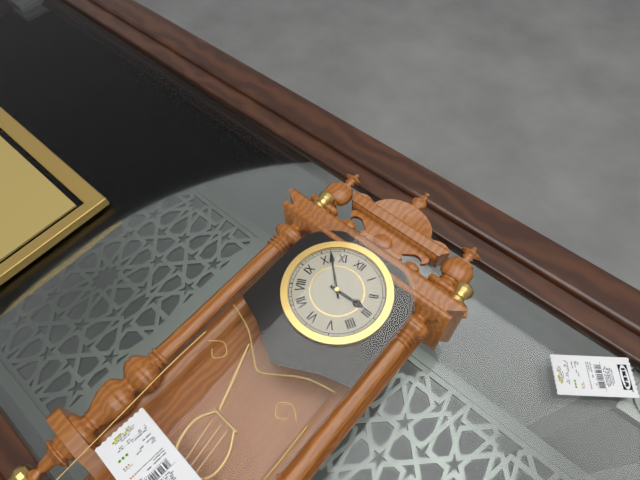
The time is 2:52
